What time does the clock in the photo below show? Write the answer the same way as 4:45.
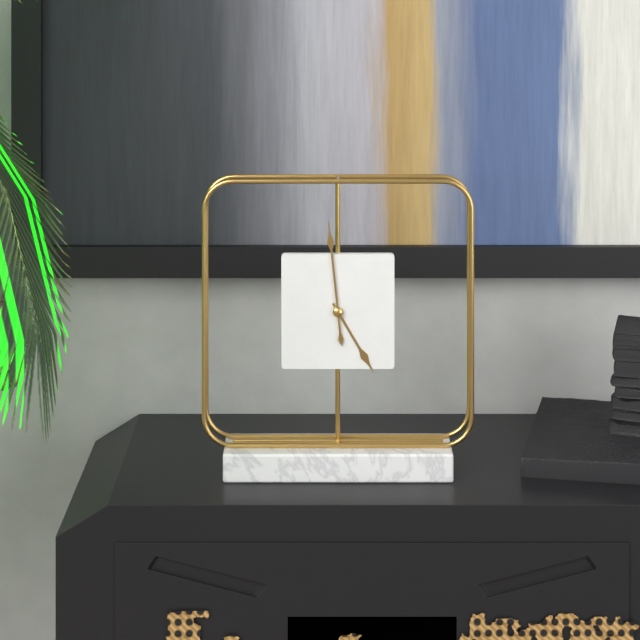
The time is 4:59
